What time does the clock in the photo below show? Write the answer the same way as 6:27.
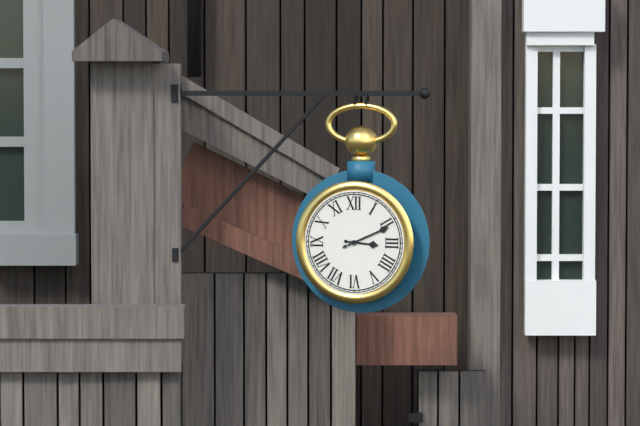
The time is 3:11
